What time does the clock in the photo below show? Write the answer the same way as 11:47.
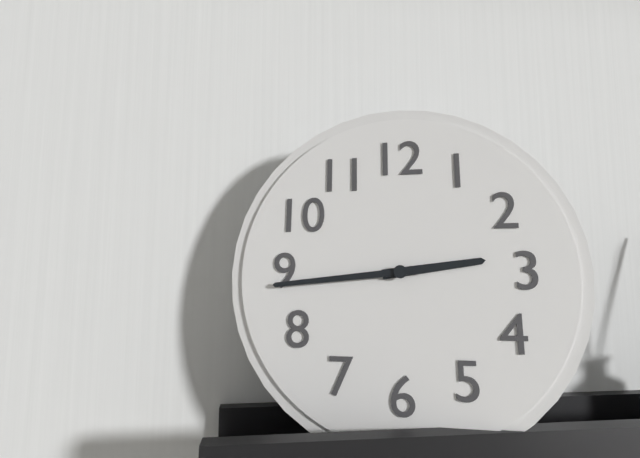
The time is 2:44
